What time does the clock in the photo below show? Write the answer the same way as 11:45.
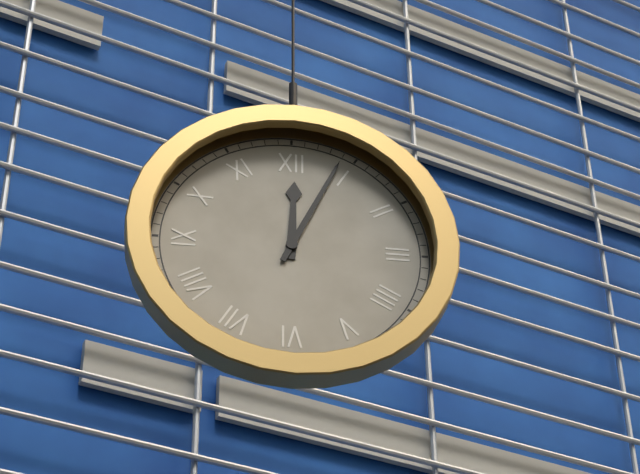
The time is 12:04
